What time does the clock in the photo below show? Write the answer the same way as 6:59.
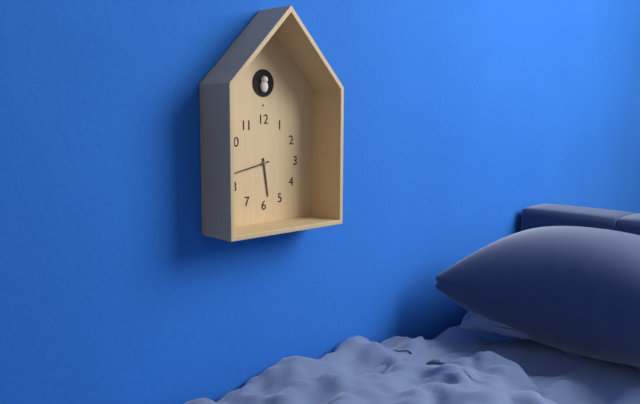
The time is 5:43
